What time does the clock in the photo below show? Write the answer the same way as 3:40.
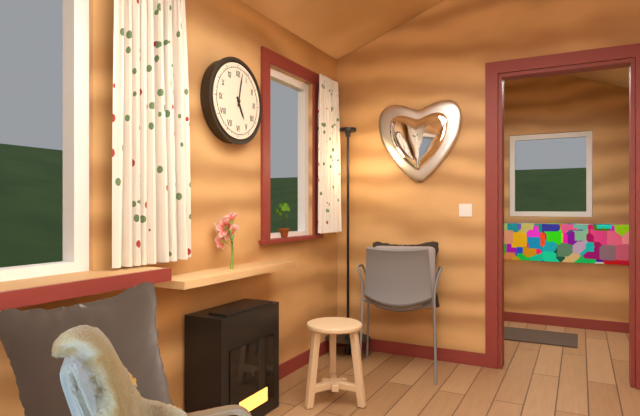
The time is 5:02
